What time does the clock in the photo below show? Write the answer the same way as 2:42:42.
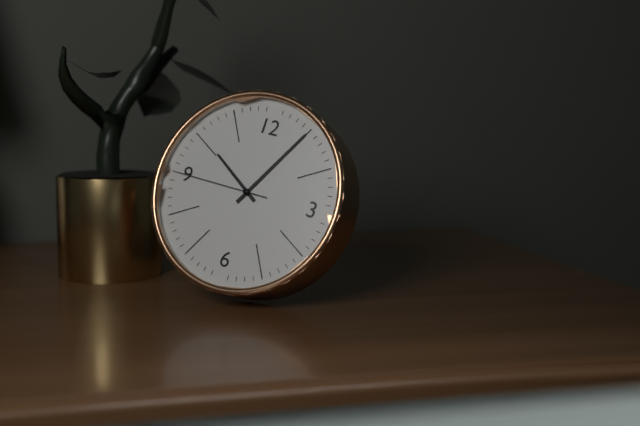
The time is 10:05:45
